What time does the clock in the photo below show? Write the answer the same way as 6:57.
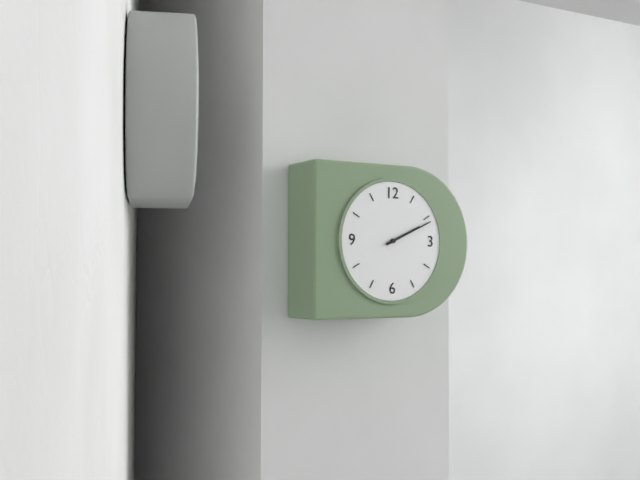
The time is 2:11
